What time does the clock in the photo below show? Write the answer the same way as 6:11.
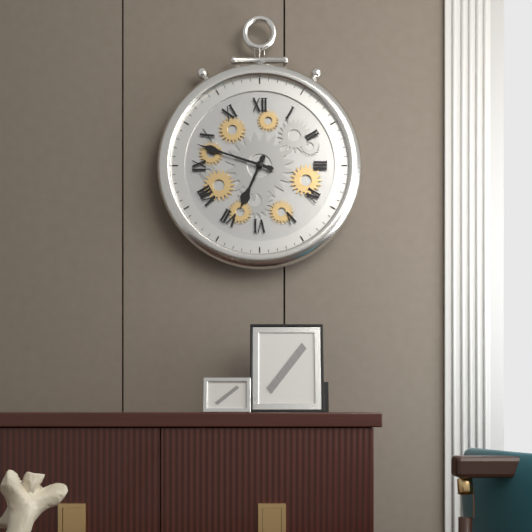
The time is 6:48
